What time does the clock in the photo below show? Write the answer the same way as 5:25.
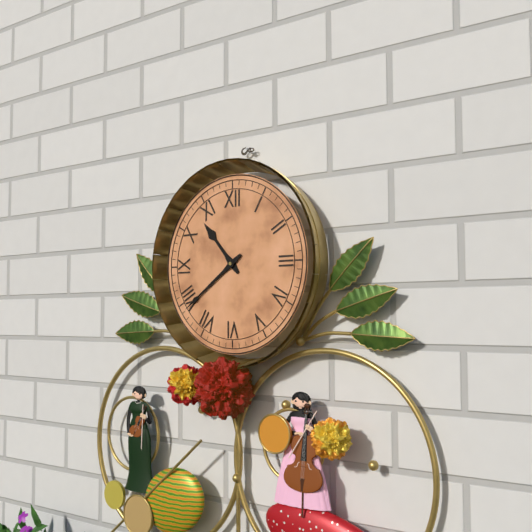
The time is 10:39
